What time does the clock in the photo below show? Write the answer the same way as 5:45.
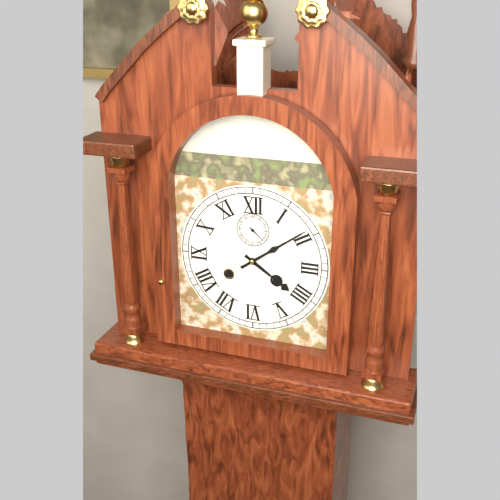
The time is 4:09
